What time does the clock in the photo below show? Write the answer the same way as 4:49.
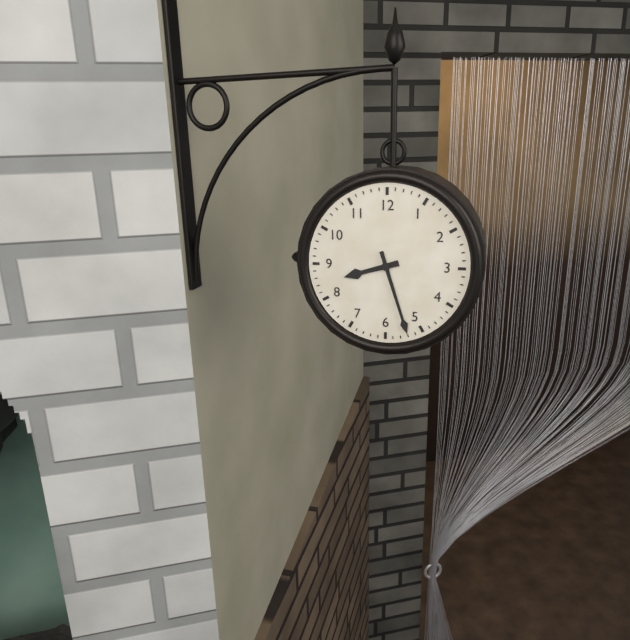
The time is 8:27
